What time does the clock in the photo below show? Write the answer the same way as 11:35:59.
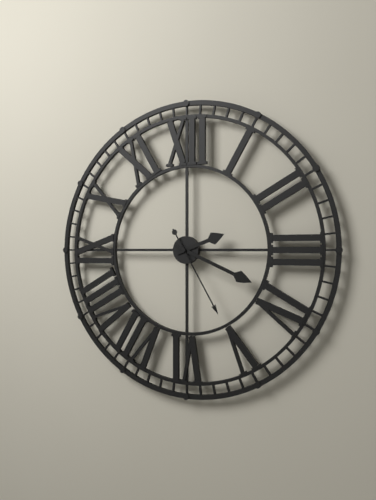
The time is 2:19:25
